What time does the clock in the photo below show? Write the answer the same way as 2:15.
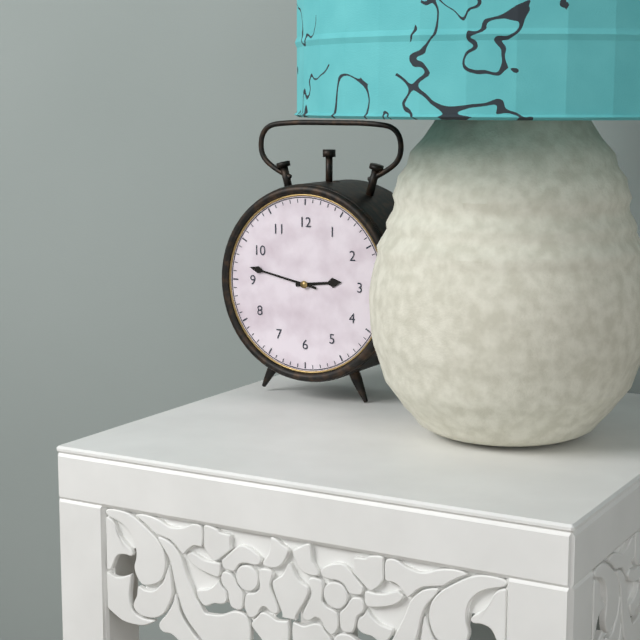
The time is 2:47
